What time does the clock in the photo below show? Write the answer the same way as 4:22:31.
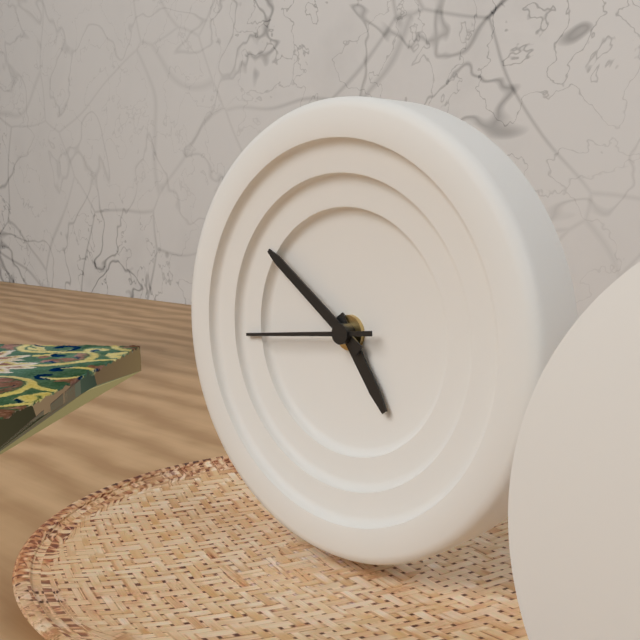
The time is 4:51:44
